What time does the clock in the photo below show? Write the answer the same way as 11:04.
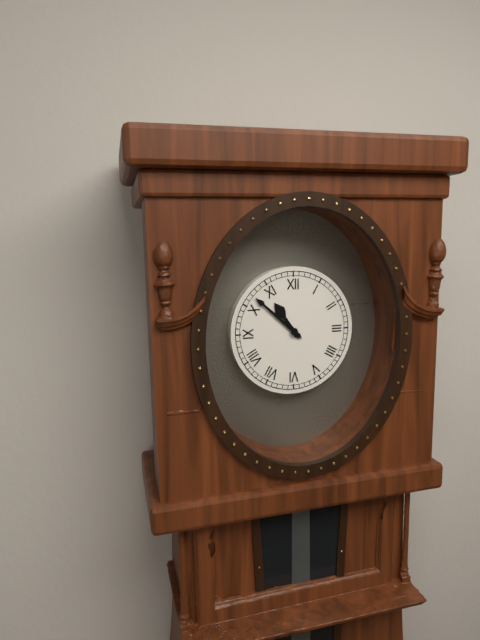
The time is 10:52
